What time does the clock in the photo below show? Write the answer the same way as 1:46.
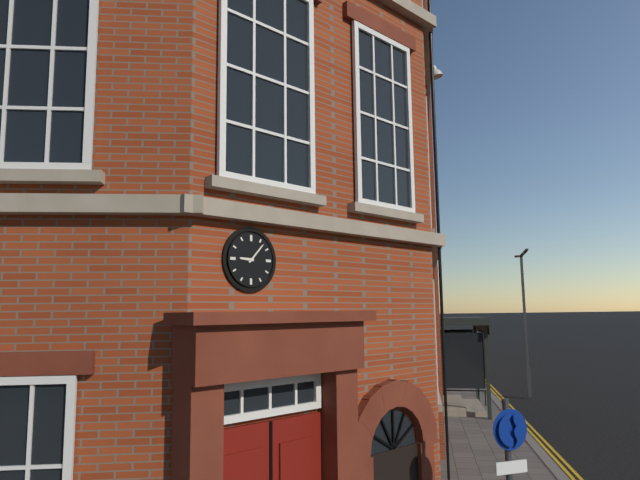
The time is 9:07
